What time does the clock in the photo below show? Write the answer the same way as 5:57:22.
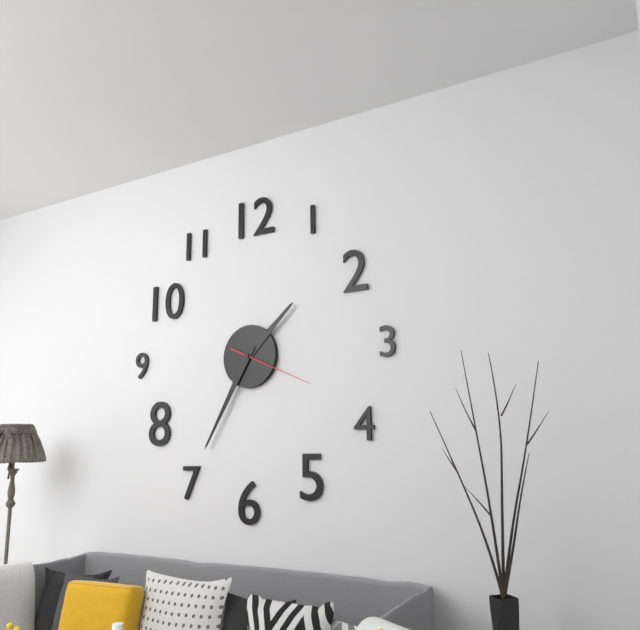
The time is 1:35:19
